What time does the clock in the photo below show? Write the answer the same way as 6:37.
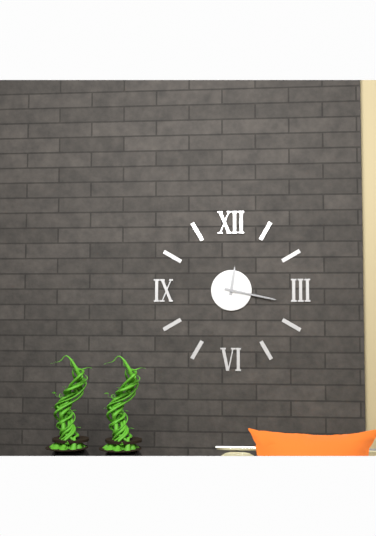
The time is 12:17
